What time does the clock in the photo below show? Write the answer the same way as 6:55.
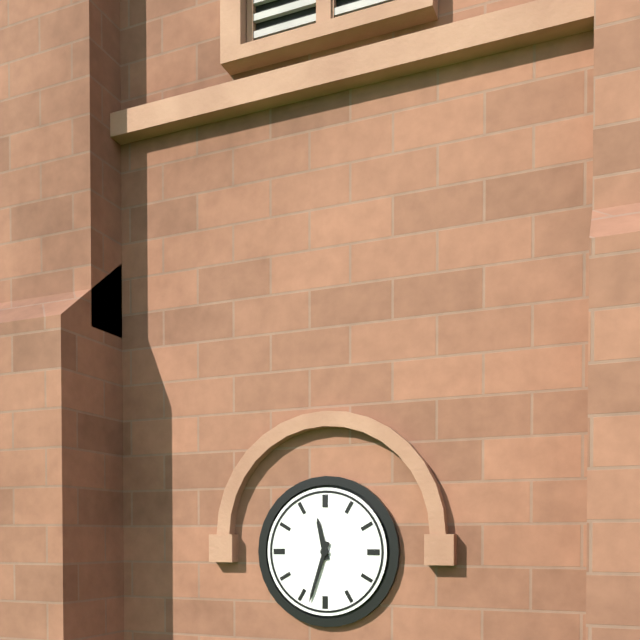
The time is 11:33
